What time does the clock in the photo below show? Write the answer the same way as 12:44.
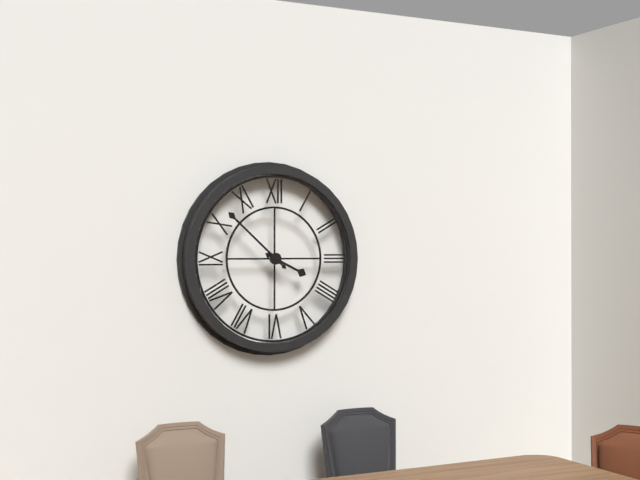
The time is 3:52
